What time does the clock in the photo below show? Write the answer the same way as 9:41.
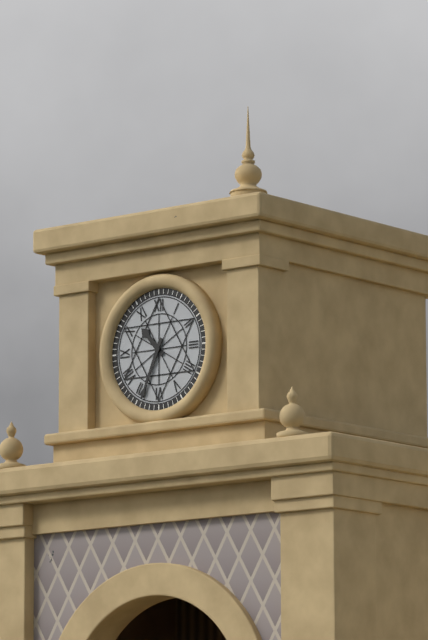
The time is 10:34
